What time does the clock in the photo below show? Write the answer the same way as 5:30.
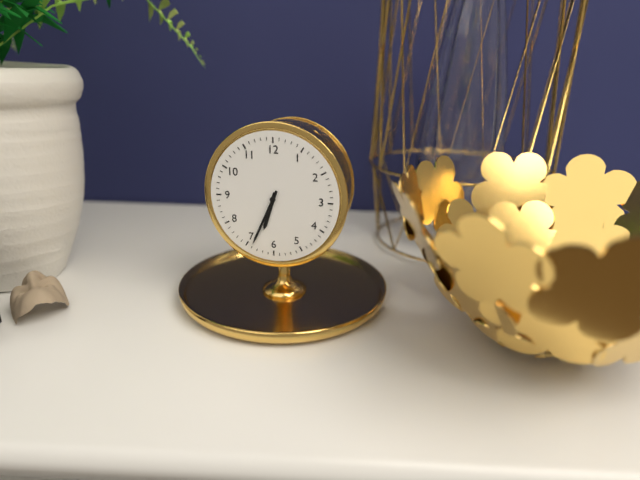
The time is 6:34
